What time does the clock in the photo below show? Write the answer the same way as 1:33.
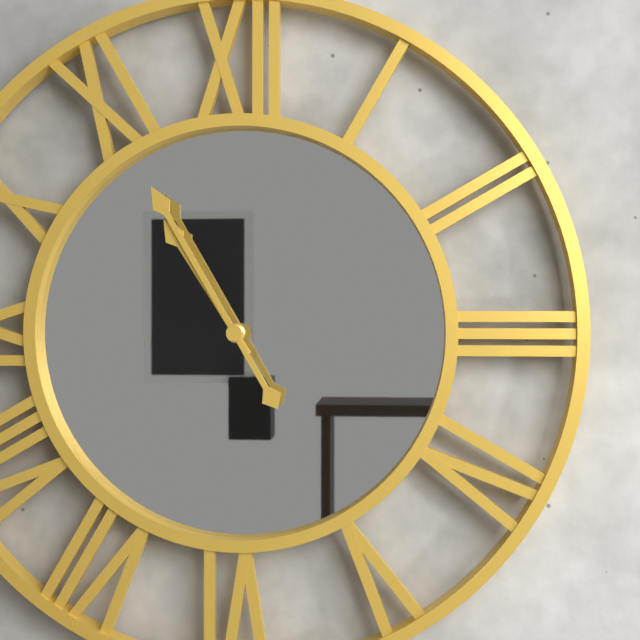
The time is 10:55
